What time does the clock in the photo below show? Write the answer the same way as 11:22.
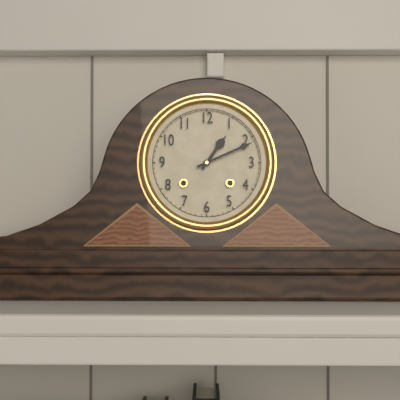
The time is 1:11
